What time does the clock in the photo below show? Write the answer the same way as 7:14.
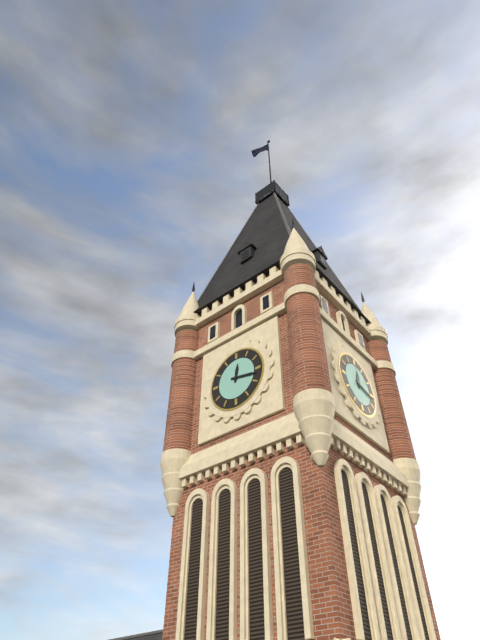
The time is 12:17
